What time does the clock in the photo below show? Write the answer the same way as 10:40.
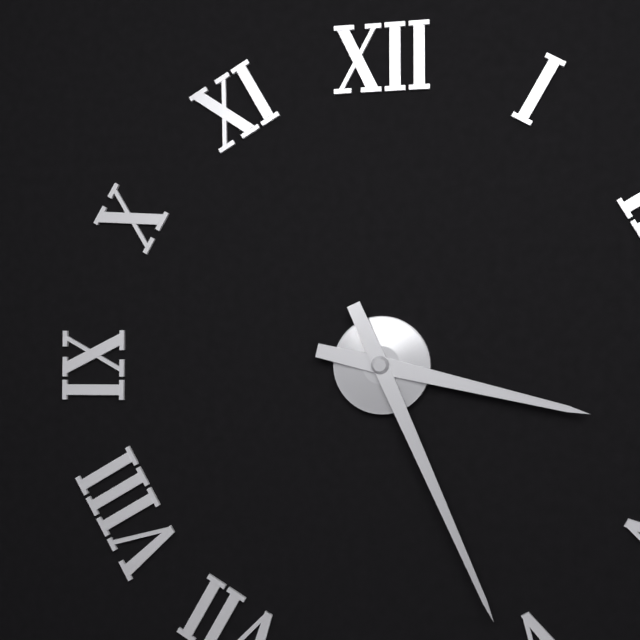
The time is 3:26
